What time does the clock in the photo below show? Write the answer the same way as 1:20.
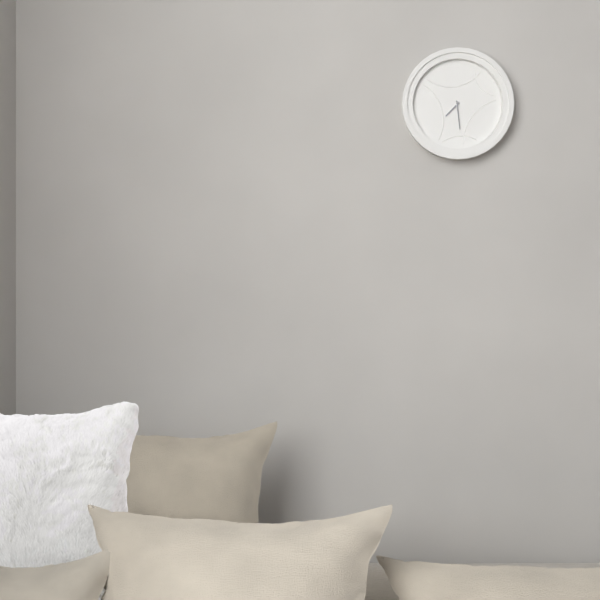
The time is 7:29
